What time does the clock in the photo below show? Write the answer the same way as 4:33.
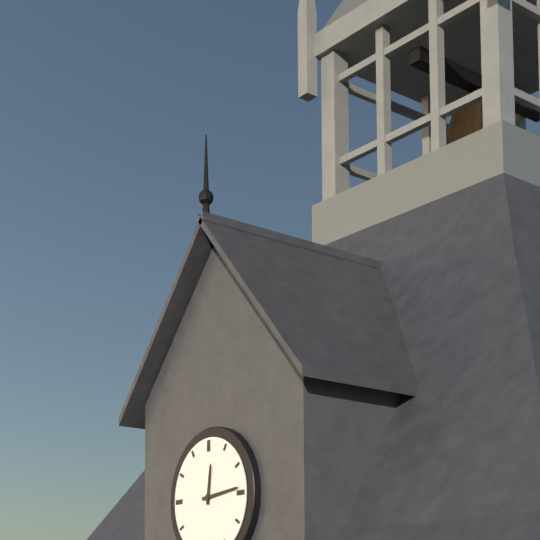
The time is 12:14
